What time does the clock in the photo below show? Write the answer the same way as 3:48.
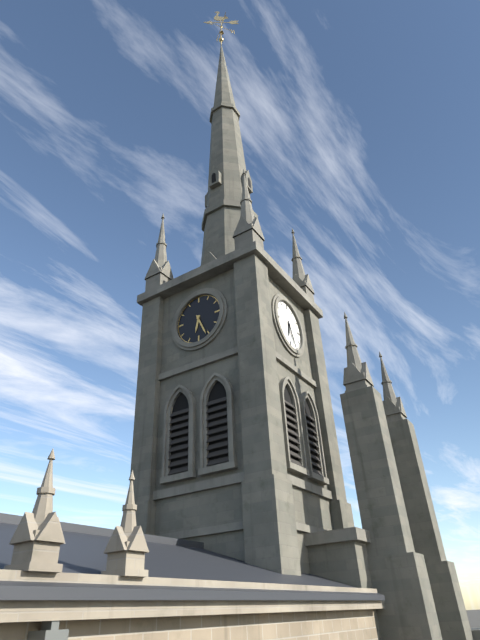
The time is 6:26
